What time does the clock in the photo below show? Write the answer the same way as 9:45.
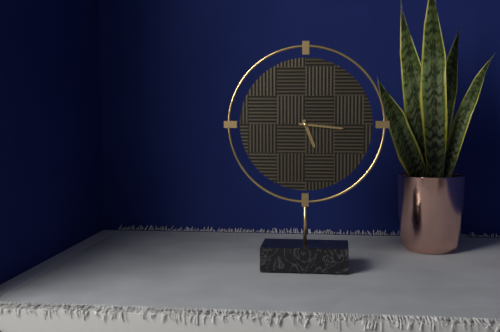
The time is 5:16
